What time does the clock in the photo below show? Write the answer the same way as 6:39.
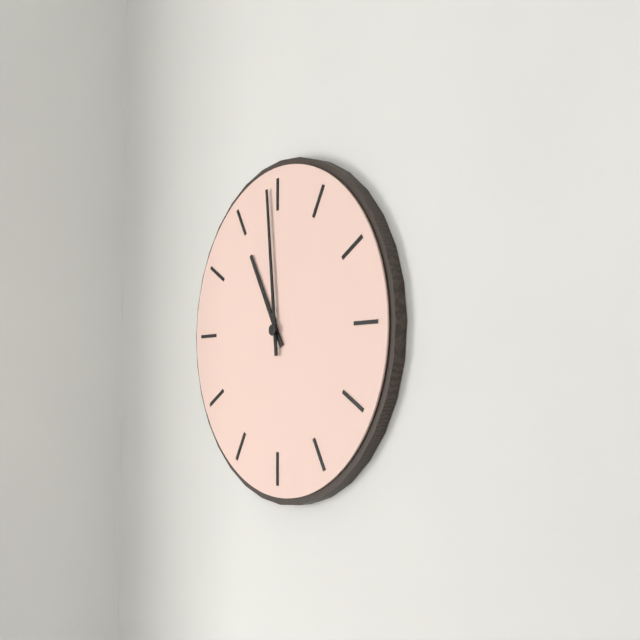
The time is 10:59
